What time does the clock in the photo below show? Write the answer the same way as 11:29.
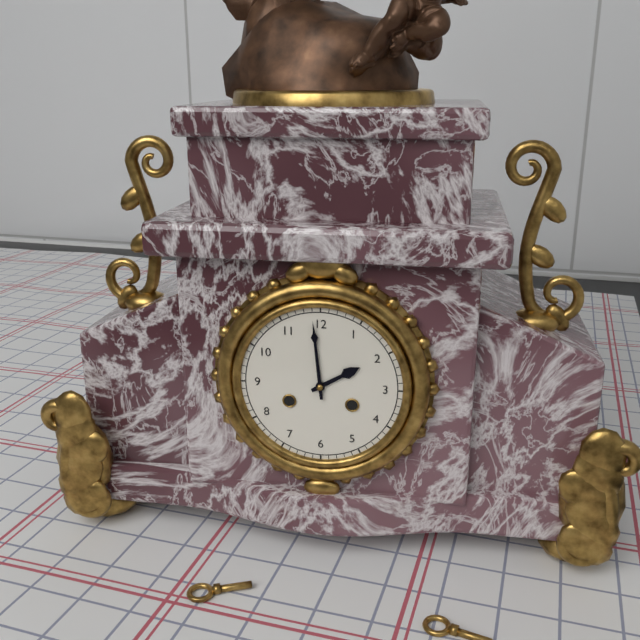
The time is 1:59
